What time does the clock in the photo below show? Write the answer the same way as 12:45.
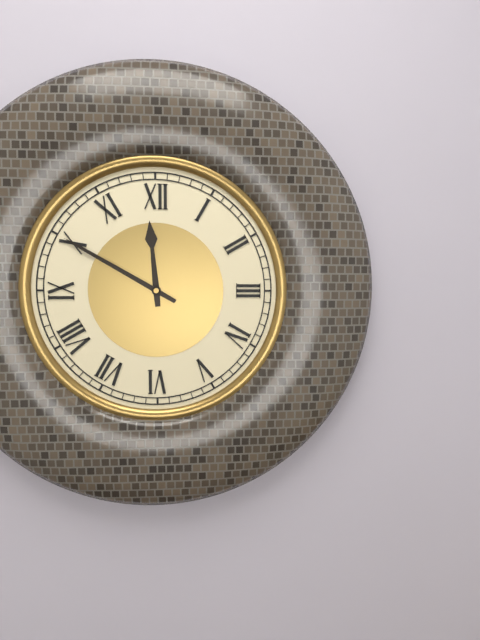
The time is 11:50
